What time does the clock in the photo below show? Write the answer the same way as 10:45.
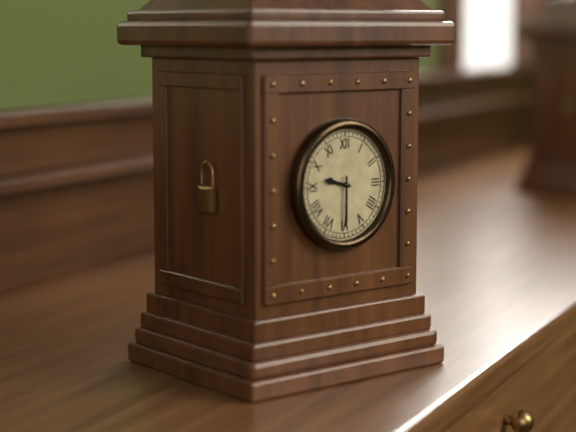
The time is 9:30
